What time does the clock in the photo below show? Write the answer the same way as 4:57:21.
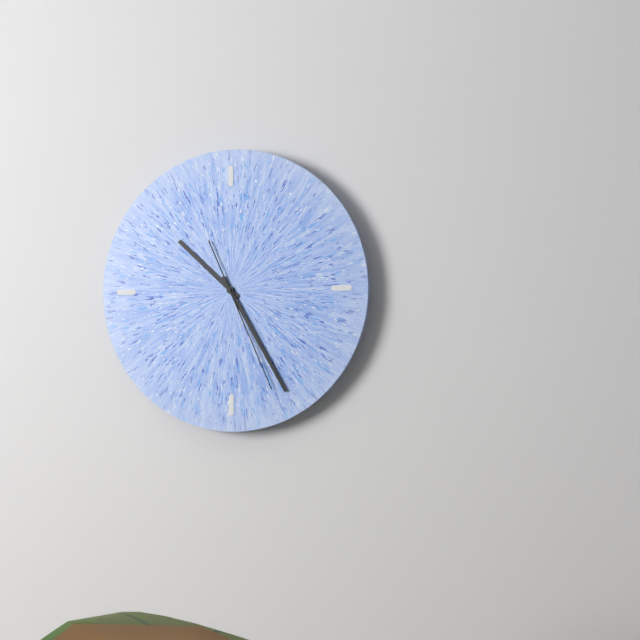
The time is 10:25:26
